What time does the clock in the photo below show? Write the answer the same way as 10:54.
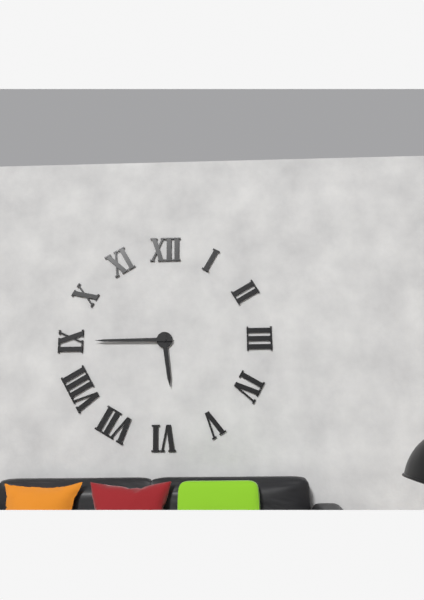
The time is 5:45
